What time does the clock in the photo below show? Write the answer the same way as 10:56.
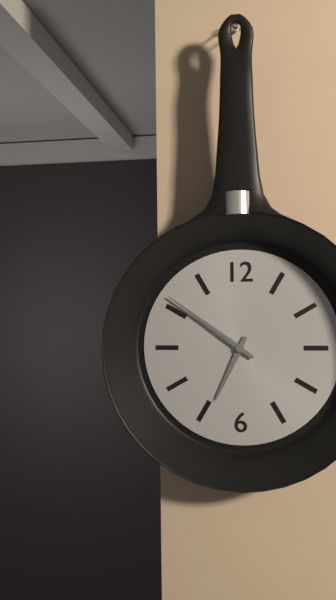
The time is 6:51
